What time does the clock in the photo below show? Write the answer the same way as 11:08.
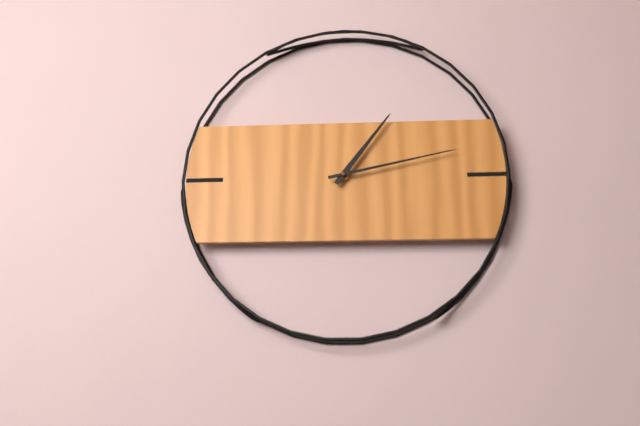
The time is 1:13
